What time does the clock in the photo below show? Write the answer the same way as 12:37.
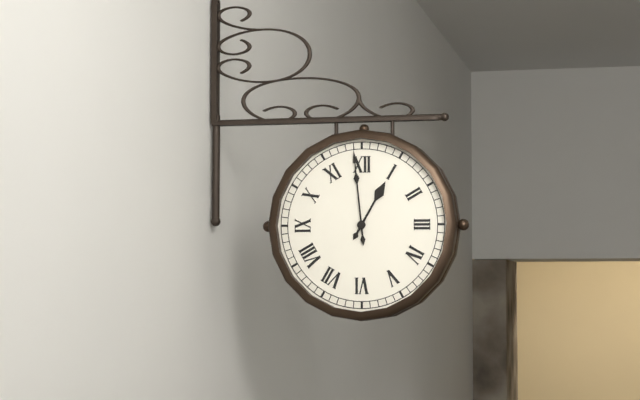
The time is 12:59
